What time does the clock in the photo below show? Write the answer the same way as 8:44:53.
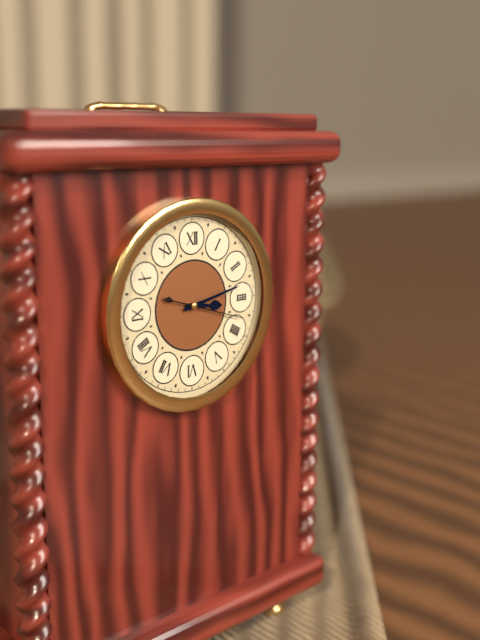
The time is 3:13:18
